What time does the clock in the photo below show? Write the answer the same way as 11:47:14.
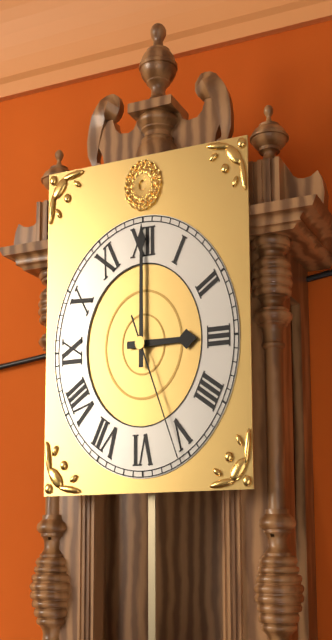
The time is 3:00:26
